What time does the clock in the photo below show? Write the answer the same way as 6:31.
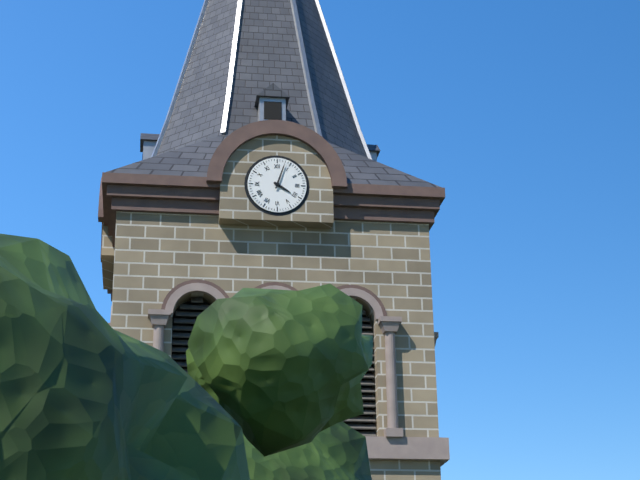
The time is 4:03
